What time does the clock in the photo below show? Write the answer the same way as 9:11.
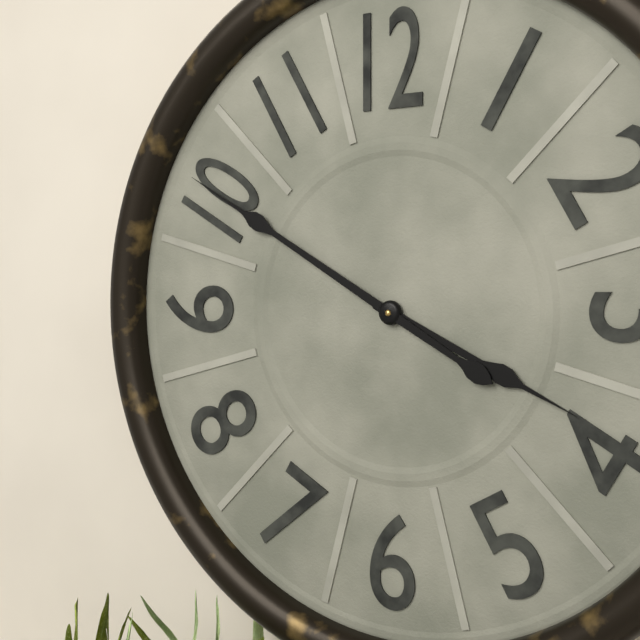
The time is 3:50
